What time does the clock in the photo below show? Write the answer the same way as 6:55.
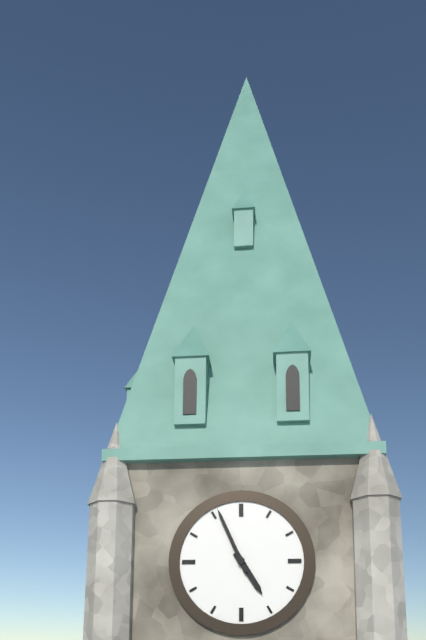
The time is 4:56
